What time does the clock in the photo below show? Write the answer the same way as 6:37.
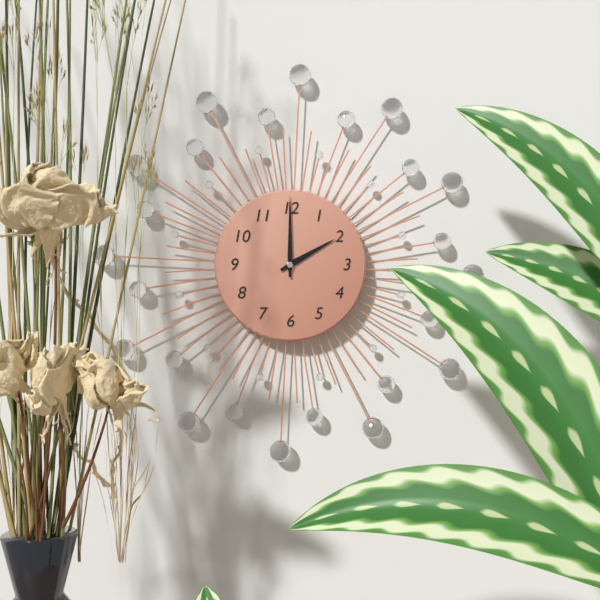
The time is 2:00
